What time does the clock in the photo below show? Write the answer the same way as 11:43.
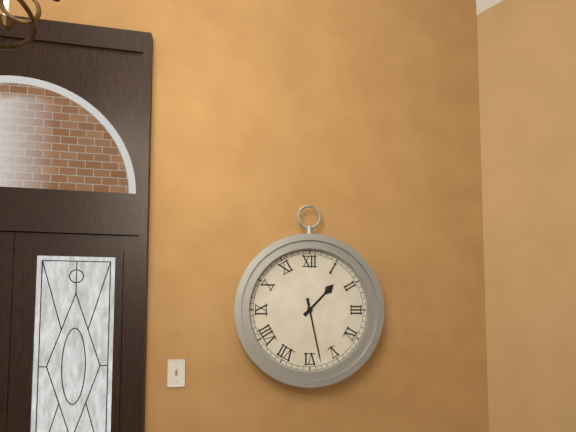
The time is 1:28
